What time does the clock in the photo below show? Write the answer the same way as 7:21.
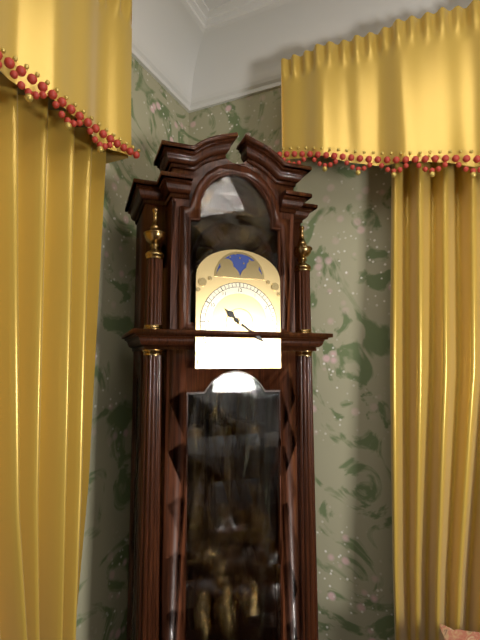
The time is 10:21
